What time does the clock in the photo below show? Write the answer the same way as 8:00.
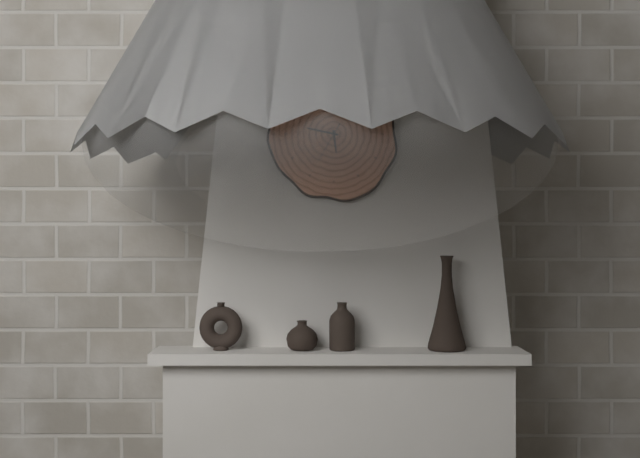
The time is 5:47
